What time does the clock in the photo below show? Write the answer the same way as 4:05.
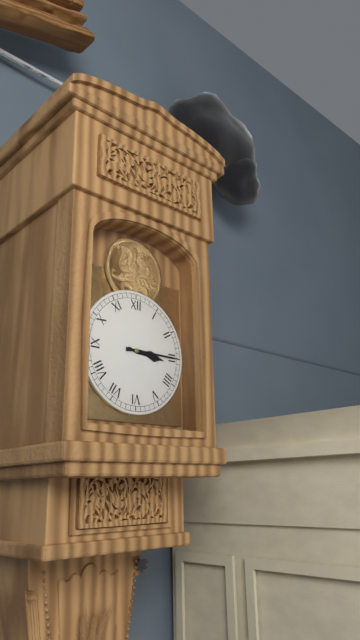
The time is 3:15
